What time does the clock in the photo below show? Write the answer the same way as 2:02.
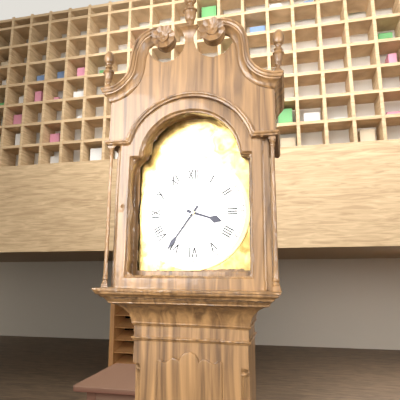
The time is 3:36
